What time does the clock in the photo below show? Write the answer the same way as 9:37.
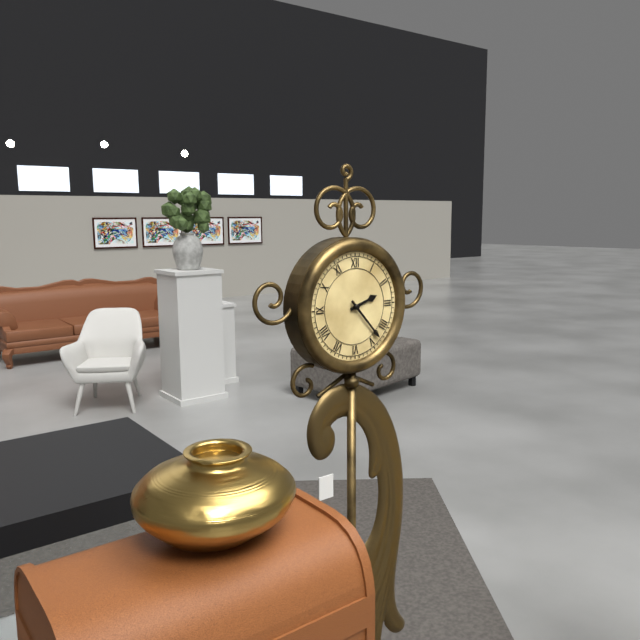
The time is 2:23
